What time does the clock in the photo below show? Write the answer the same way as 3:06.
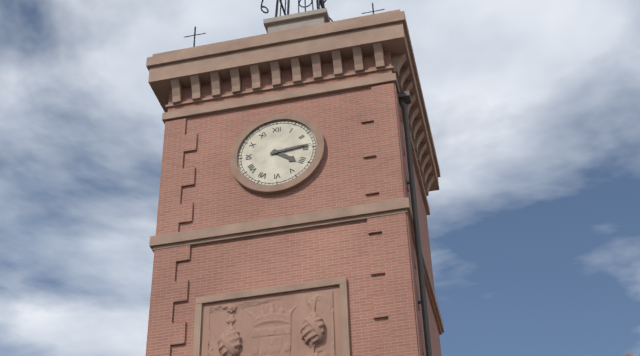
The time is 4:14
